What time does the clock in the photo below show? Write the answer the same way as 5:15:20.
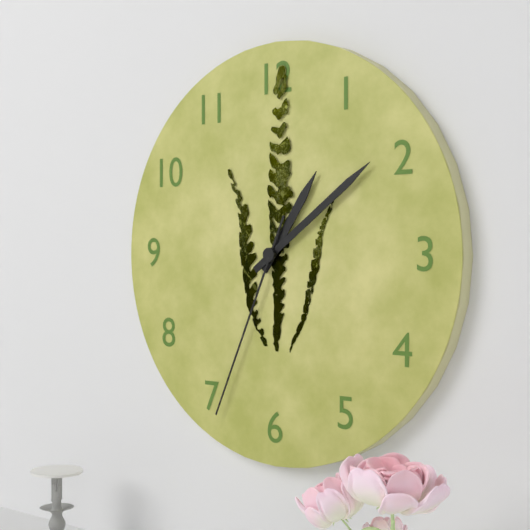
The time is 1:09:34
